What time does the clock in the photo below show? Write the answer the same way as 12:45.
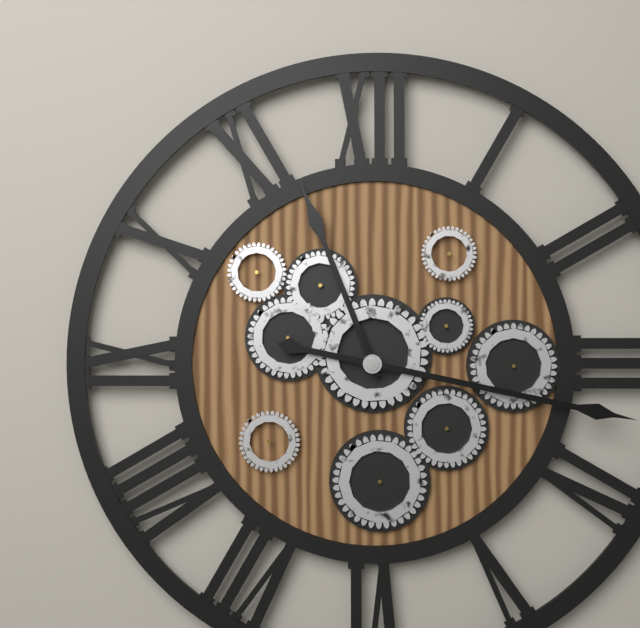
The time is 11:17
